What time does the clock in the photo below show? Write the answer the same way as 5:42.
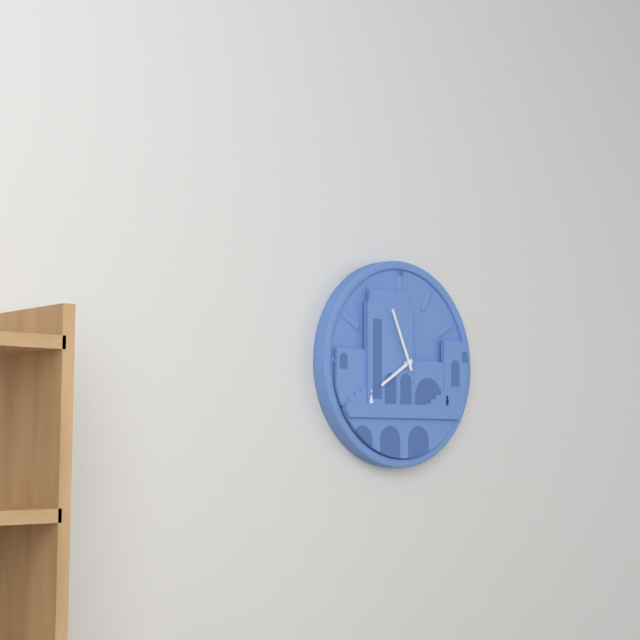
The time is 7:56
